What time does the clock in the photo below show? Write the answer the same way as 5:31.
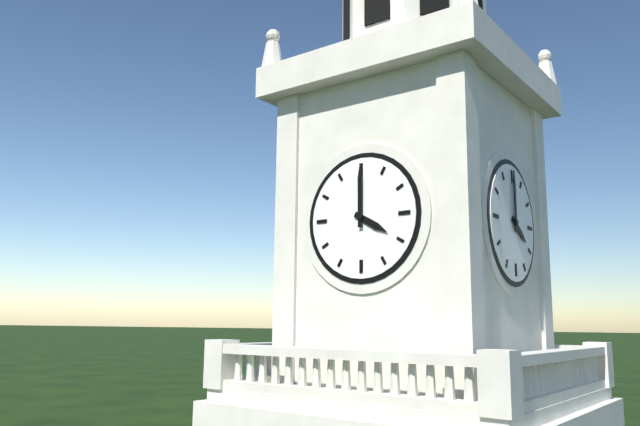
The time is 4:00
